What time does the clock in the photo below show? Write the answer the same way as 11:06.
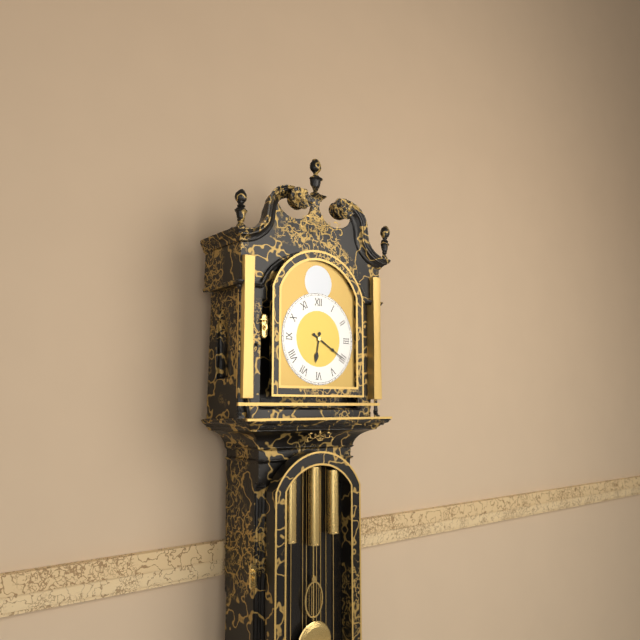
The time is 6:20
